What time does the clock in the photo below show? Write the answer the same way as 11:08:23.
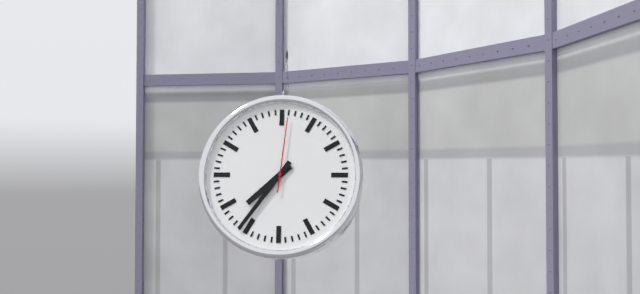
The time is 7:36:01
